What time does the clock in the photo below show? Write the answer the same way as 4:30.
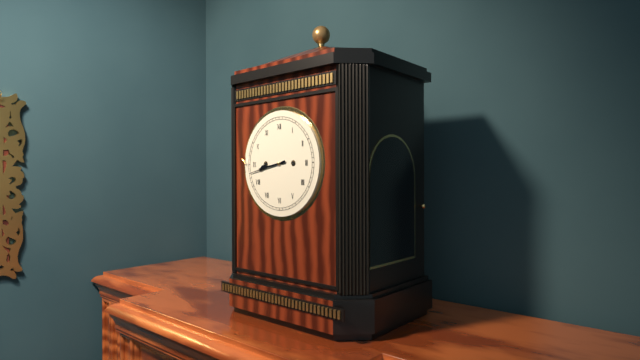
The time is 8:43
